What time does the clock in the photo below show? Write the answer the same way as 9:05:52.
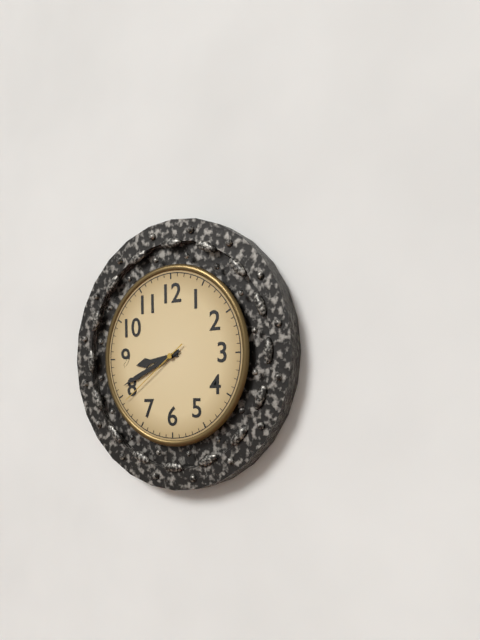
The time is 8:41:39
